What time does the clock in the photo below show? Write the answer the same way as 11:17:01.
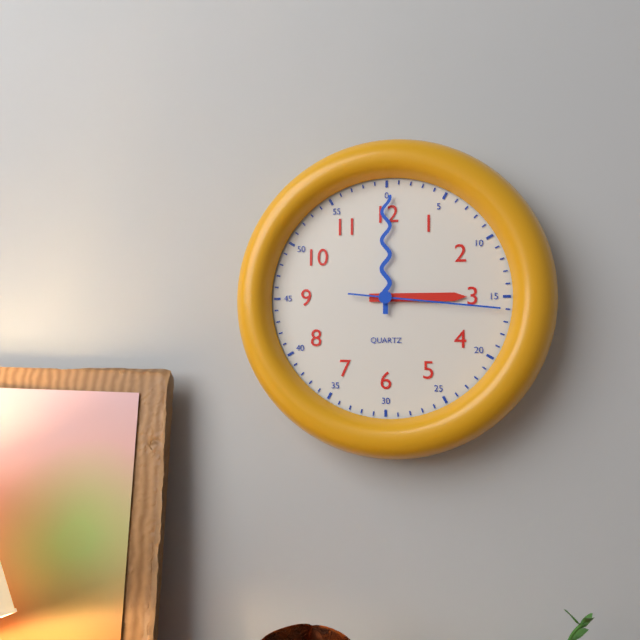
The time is 3:00:16
